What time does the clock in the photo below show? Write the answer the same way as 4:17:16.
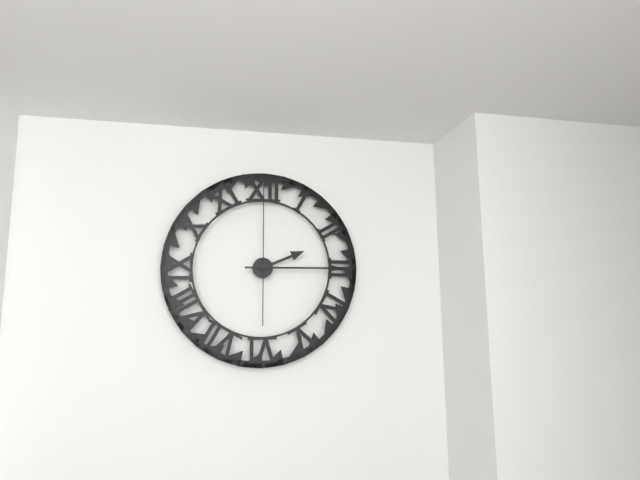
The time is 2:15:00
